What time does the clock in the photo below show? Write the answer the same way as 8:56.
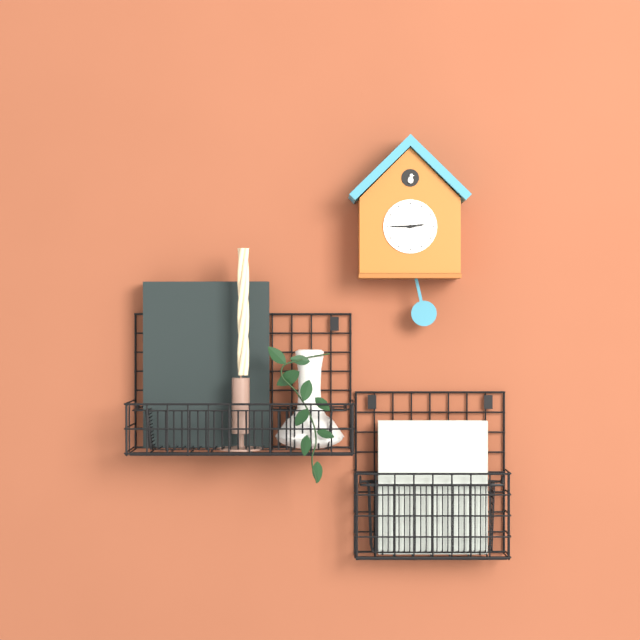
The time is 2:45
